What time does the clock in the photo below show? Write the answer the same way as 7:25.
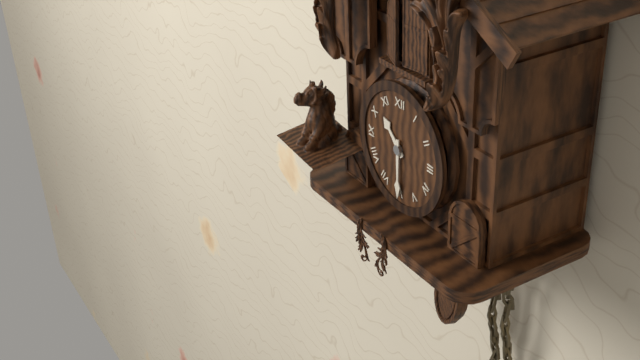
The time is 10:30
